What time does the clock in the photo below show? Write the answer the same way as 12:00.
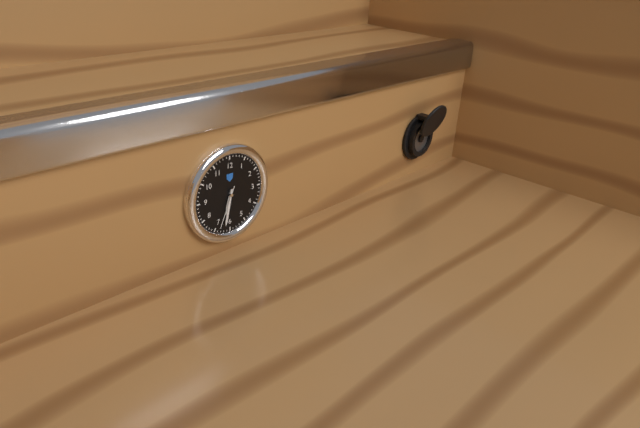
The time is 6:32
